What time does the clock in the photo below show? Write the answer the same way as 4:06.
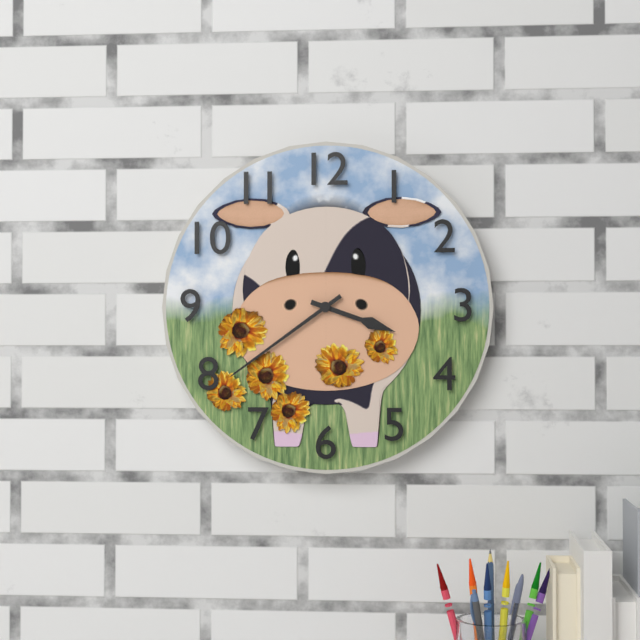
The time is 3:39
